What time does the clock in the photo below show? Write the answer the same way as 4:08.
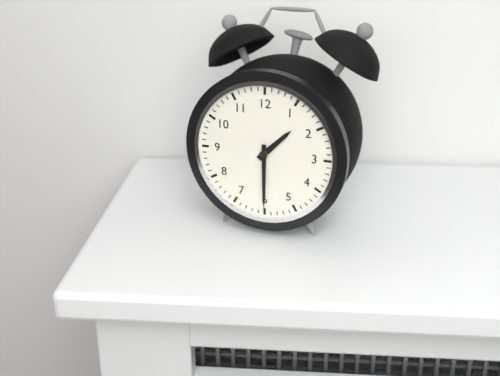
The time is 1:30
